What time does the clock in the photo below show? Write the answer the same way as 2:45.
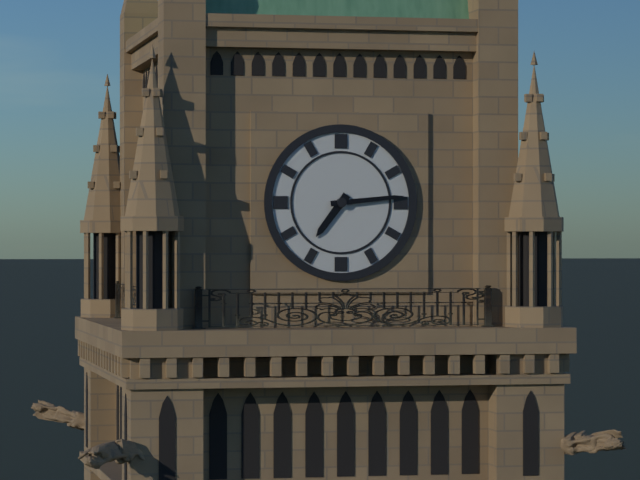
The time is 7:14
